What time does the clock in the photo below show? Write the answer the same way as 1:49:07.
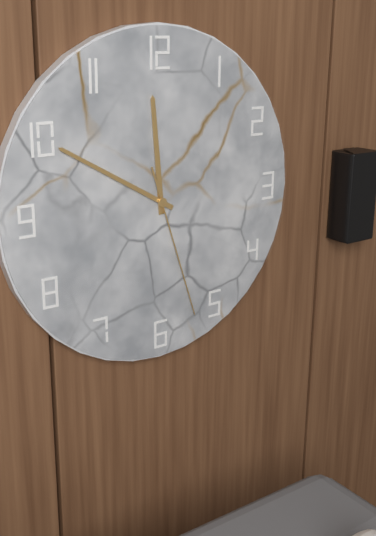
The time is 11:50:27
